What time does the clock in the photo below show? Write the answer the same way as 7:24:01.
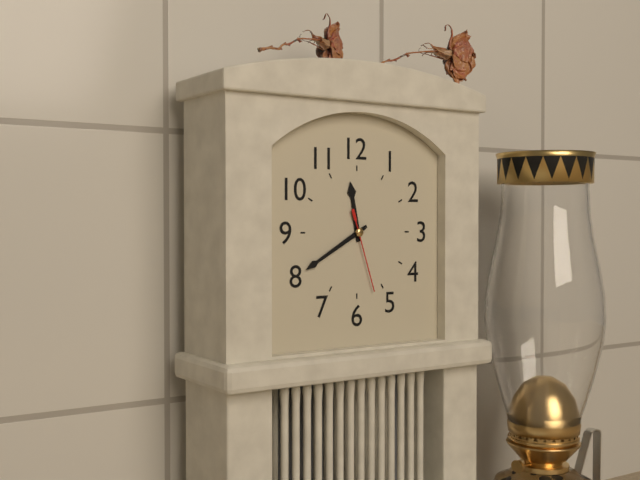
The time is 11:40:27
